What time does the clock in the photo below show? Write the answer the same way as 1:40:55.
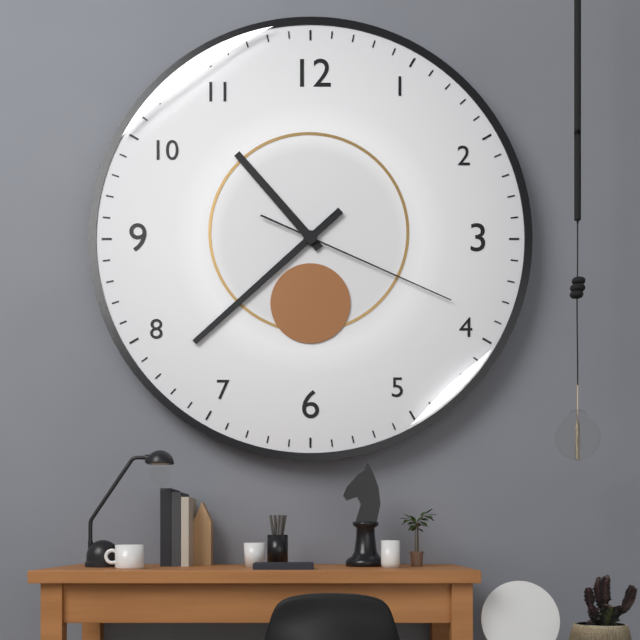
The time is 10:38:19
